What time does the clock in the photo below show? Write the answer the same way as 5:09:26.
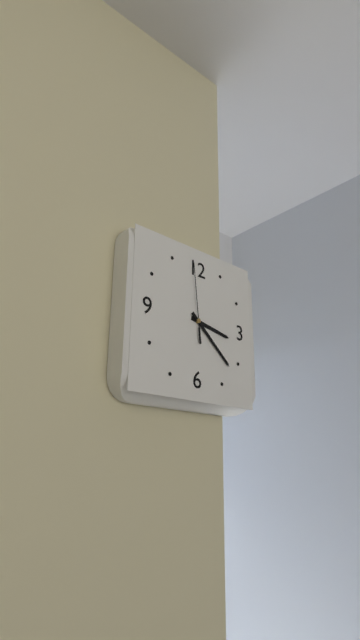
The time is 3:22:59
